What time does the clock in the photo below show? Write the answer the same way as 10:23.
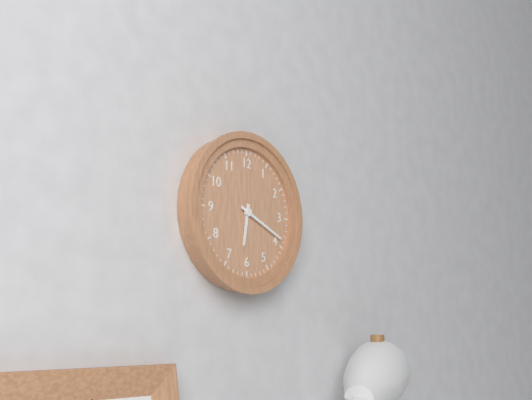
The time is 6:19
